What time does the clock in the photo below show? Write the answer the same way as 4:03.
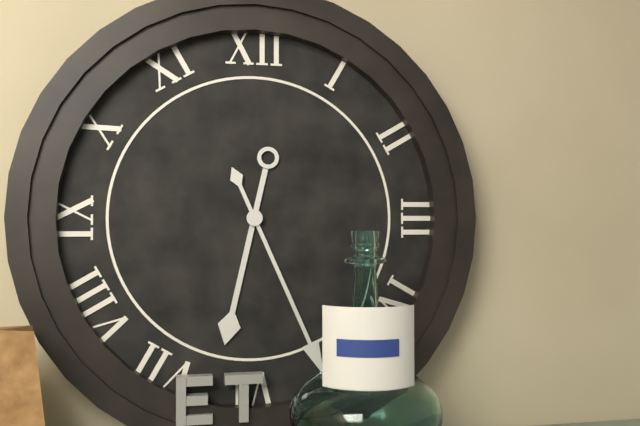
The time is 6:26
